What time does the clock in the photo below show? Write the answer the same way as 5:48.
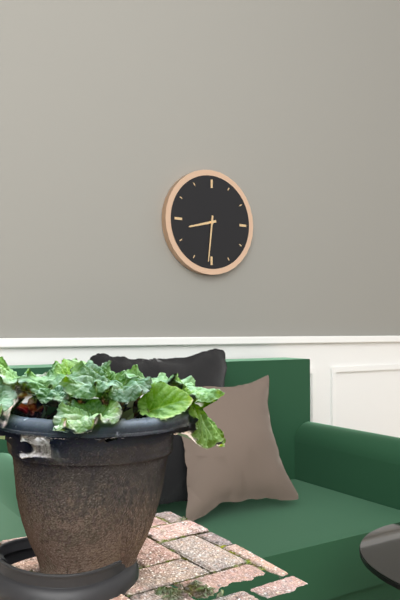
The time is 8:31
